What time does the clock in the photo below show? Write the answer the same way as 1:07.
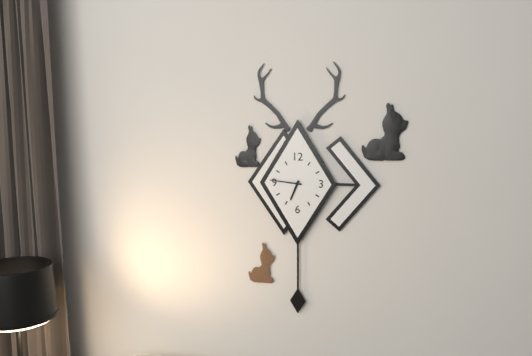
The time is 6:46
